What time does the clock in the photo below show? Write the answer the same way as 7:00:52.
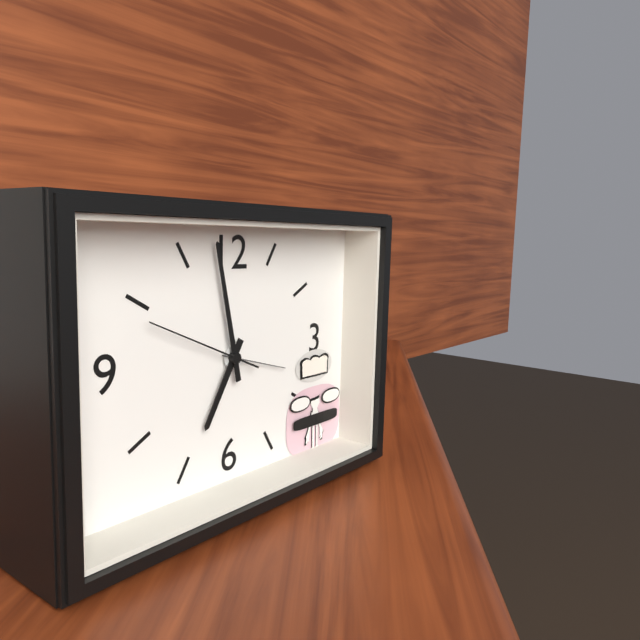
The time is 6:58:49
